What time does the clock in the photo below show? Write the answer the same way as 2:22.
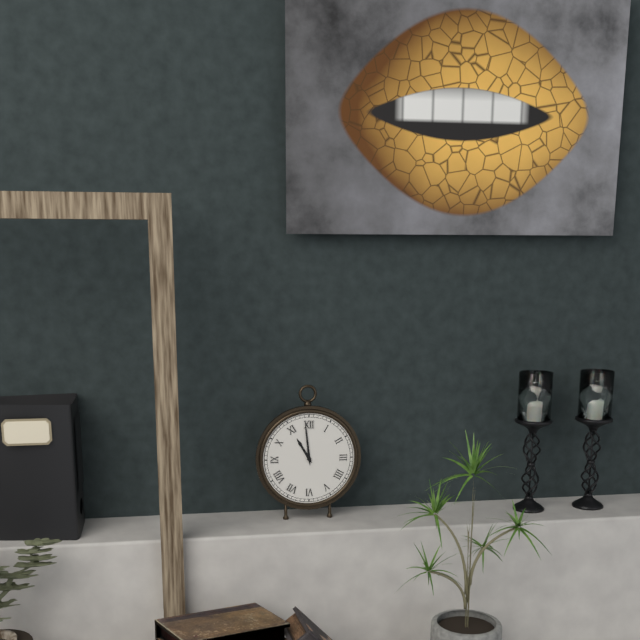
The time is 10:59
